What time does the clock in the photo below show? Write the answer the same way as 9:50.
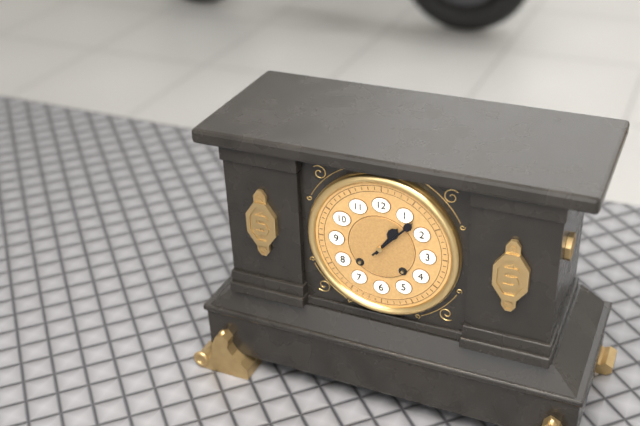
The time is 1:07
